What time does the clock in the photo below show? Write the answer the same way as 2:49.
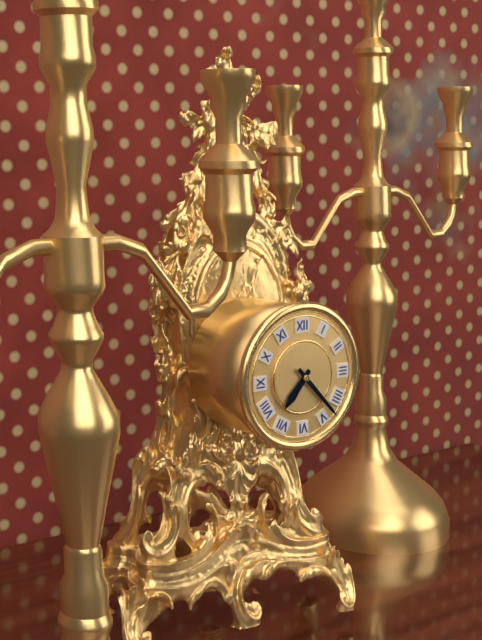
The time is 7:23
